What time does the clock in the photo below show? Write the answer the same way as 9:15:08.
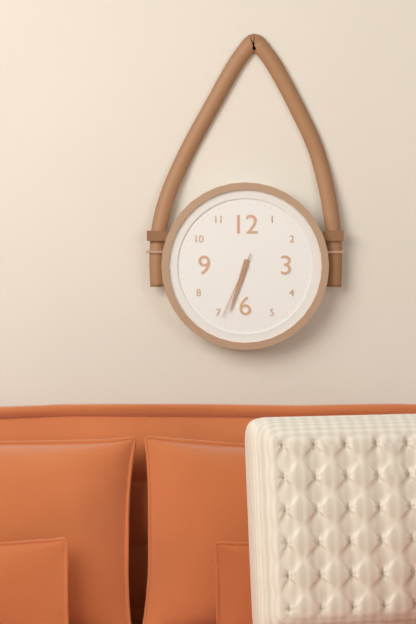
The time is 6:33:34
